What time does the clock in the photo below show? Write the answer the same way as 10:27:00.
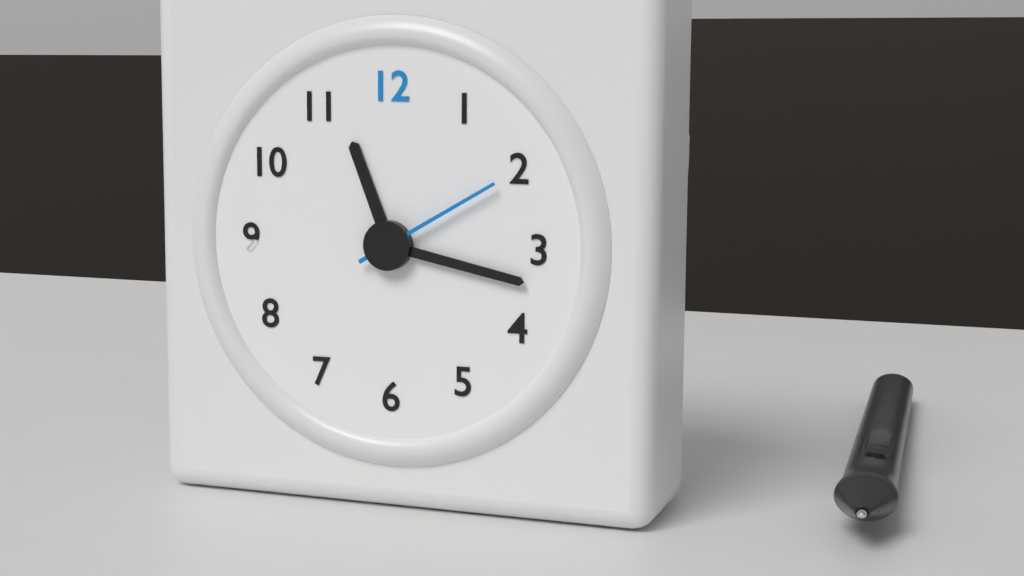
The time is 11:17:10
